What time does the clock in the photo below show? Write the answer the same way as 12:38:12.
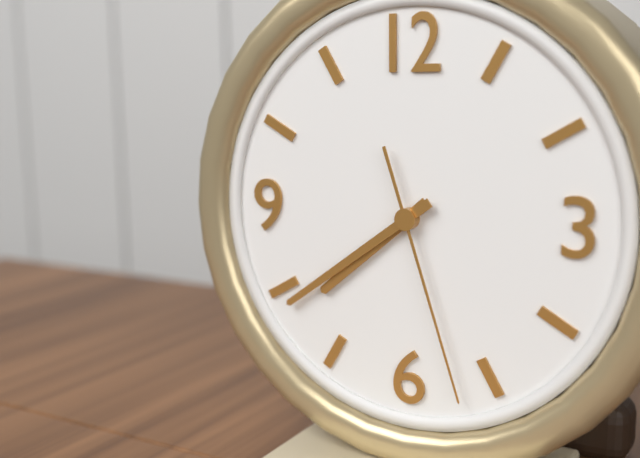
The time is 7:39:27
